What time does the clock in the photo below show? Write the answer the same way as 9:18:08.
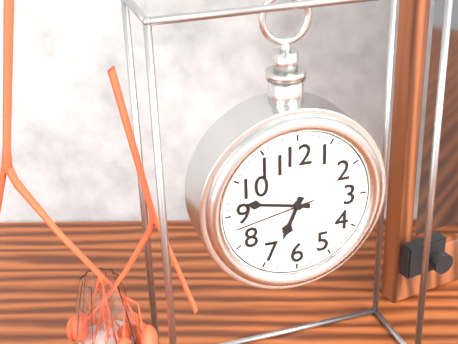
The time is 6:47:43
